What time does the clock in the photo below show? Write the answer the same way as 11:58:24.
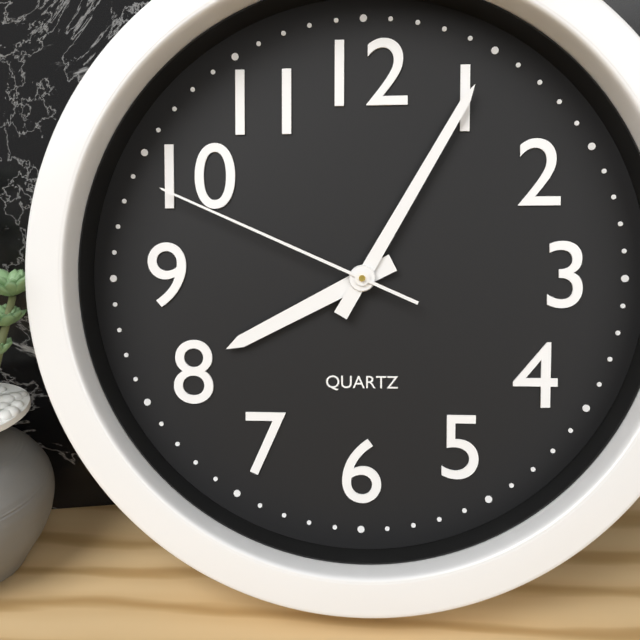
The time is 8:05:49
